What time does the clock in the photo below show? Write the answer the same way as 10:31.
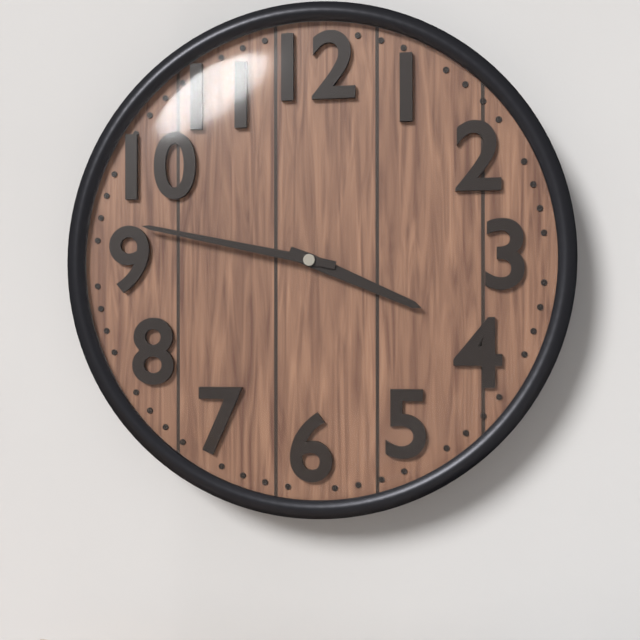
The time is 3:47
